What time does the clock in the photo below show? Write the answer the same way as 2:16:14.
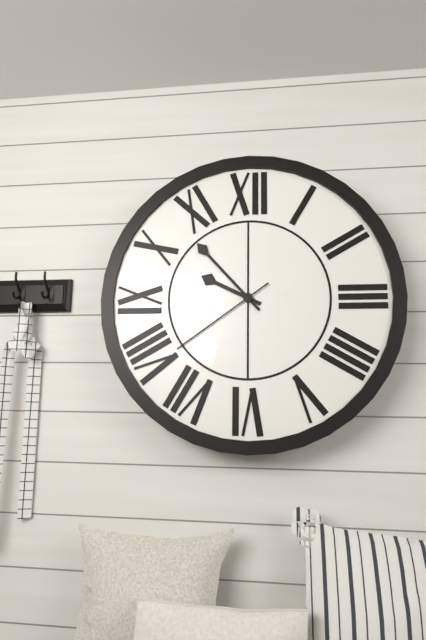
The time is 9:53:39
